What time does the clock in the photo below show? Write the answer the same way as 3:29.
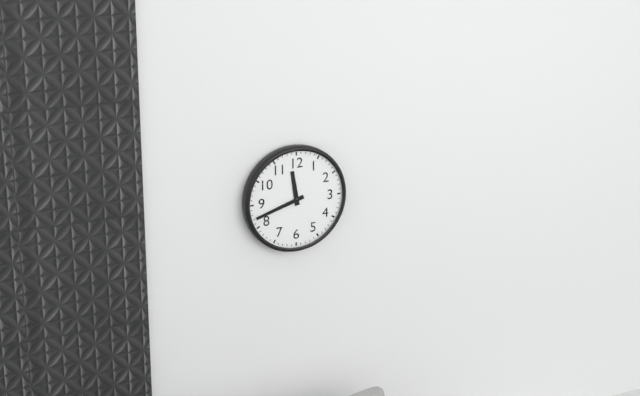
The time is 11:42
